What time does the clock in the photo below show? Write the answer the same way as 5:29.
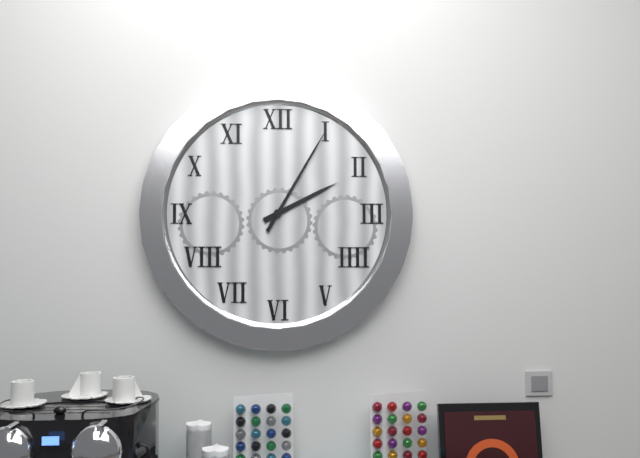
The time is 2:05
